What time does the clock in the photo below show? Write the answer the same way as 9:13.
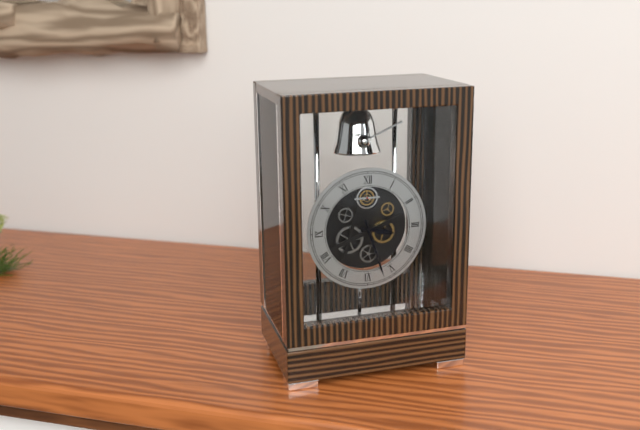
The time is 3:27
